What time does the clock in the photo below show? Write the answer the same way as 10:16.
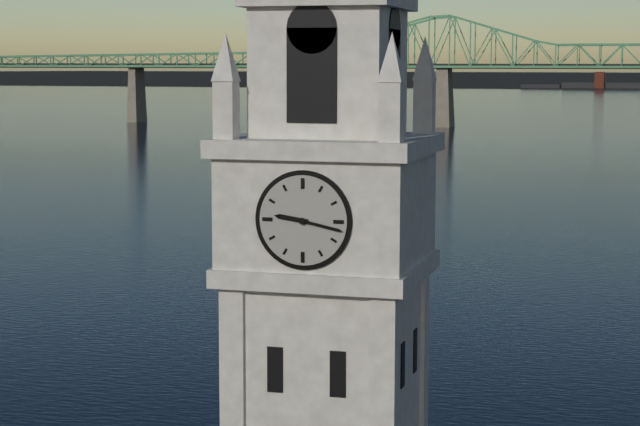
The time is 9:17
